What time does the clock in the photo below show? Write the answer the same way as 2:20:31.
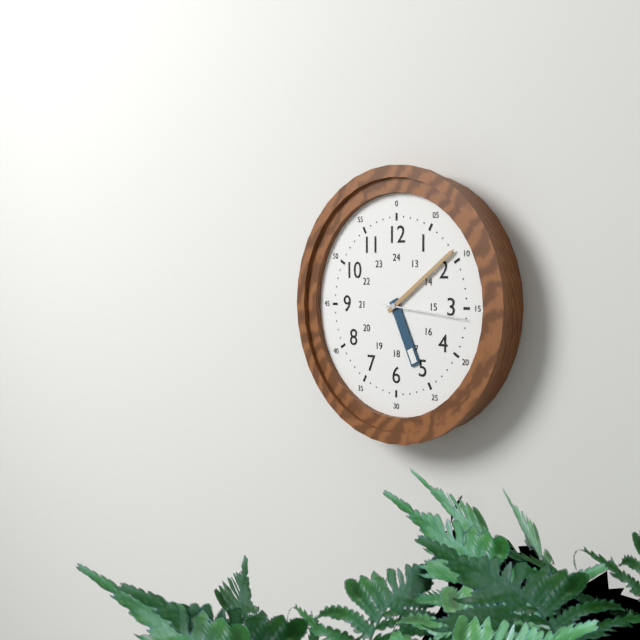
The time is 5:09:16
